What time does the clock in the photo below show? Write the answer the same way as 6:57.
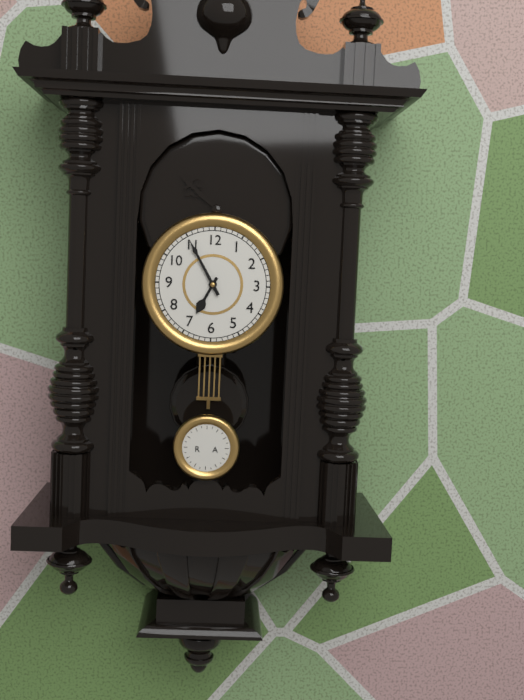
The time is 6:55
